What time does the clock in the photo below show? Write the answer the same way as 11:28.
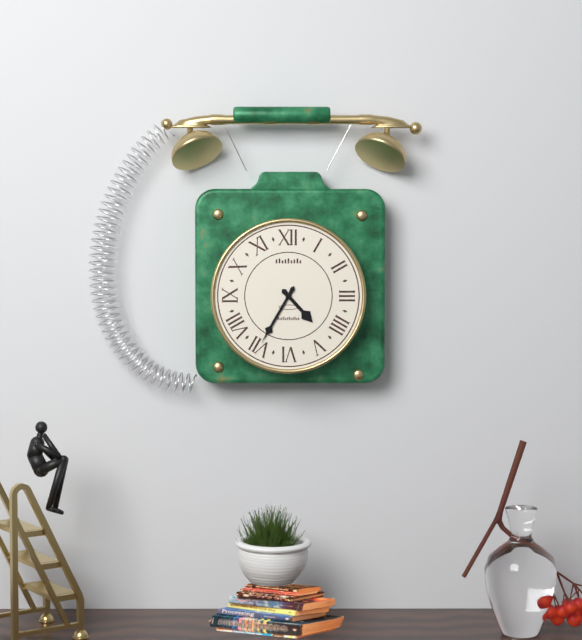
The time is 4:35
